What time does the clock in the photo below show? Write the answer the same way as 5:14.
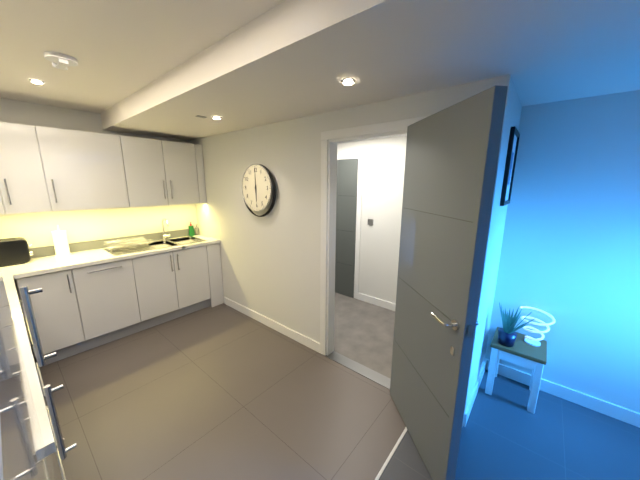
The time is 6:00
